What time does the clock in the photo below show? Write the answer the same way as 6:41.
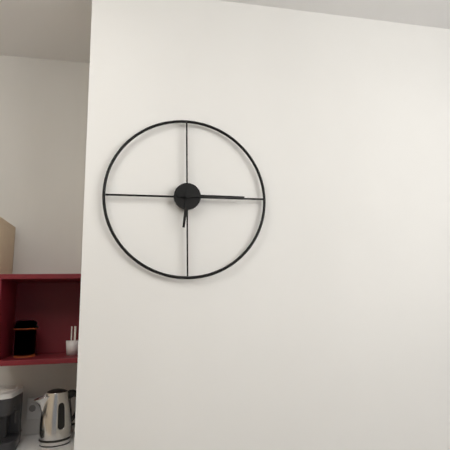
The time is 6:15
